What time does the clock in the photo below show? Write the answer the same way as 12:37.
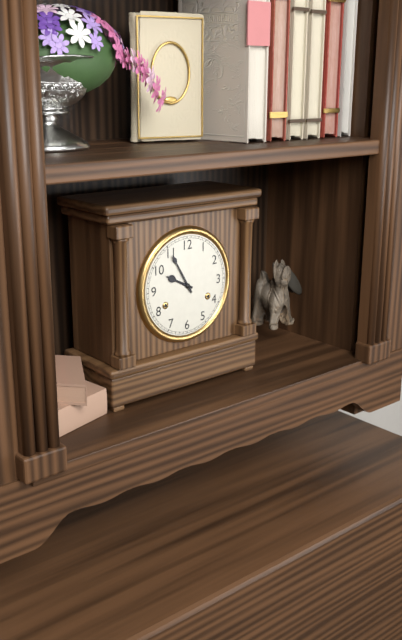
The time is 9:55
